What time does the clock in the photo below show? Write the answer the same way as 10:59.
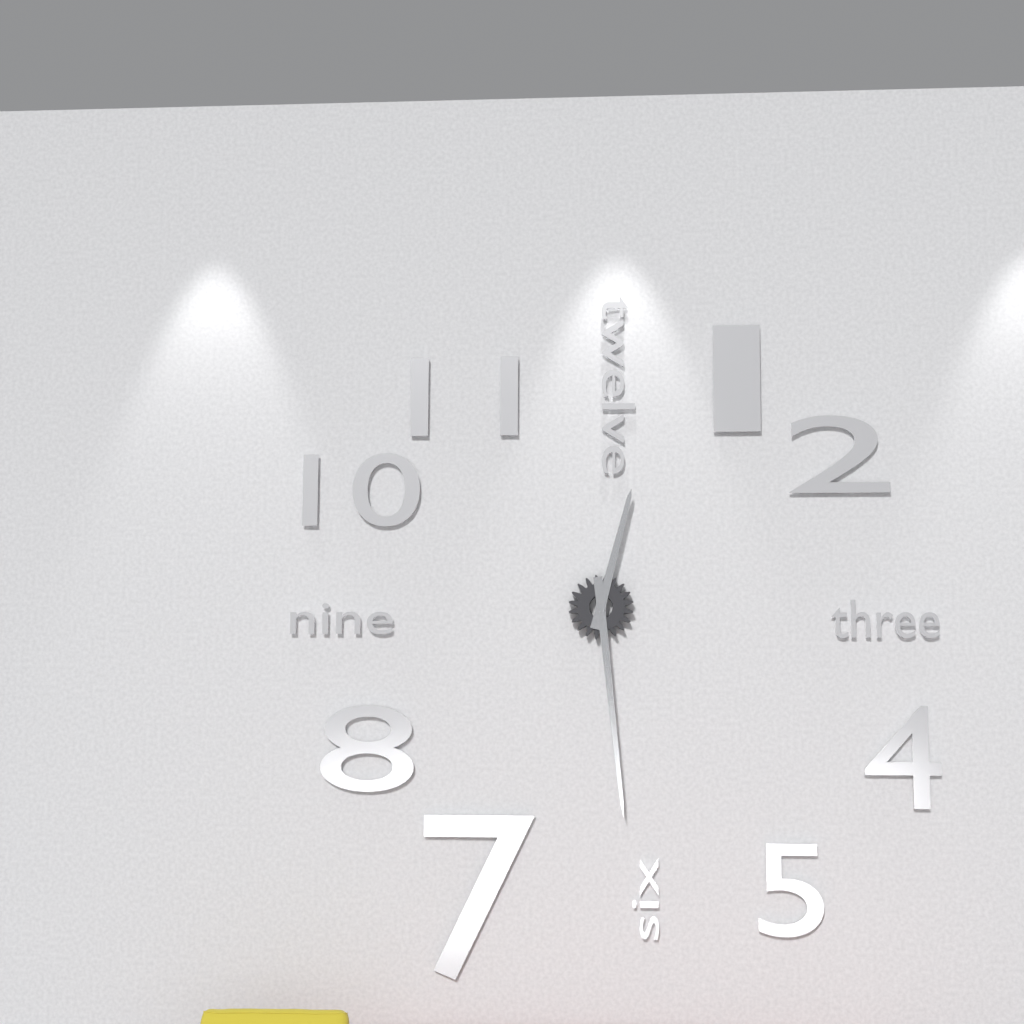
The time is 12:29
